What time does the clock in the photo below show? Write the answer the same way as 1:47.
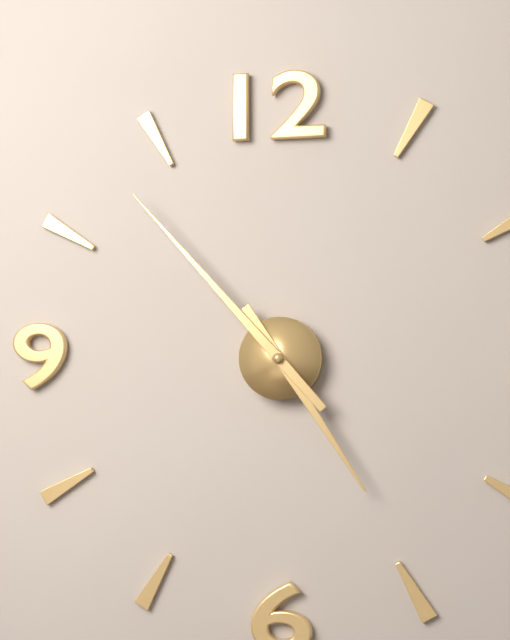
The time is 4:53
